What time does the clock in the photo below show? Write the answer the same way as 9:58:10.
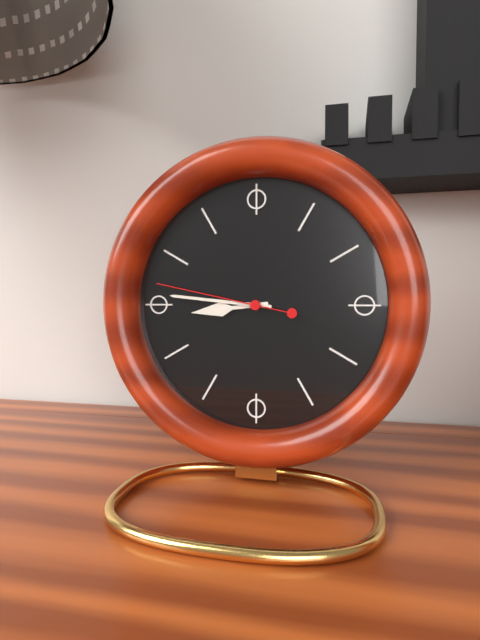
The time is 8:46:47
